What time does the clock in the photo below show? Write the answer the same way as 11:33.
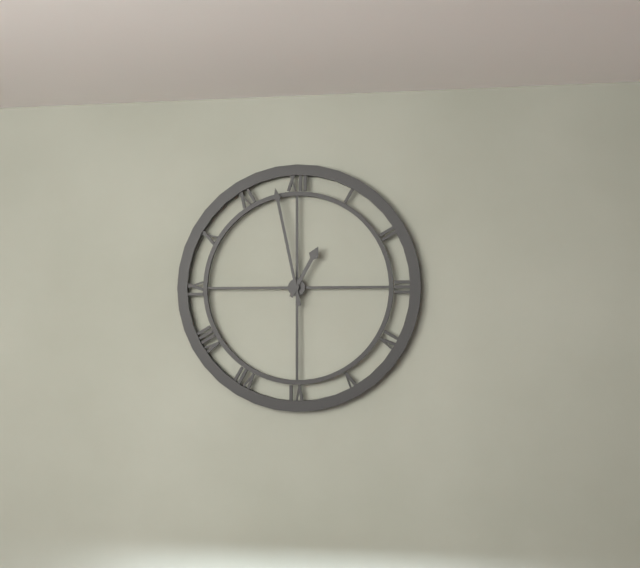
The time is 12:58
